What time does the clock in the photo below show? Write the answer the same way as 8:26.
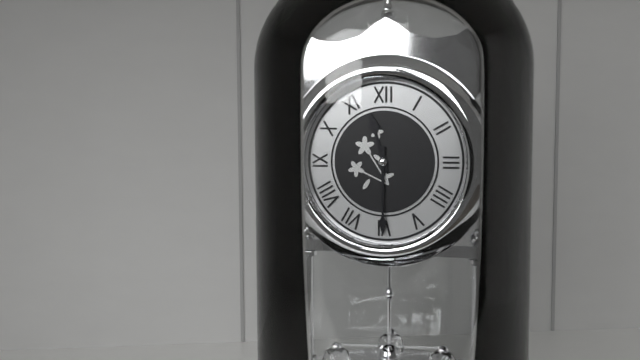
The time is 11:30
